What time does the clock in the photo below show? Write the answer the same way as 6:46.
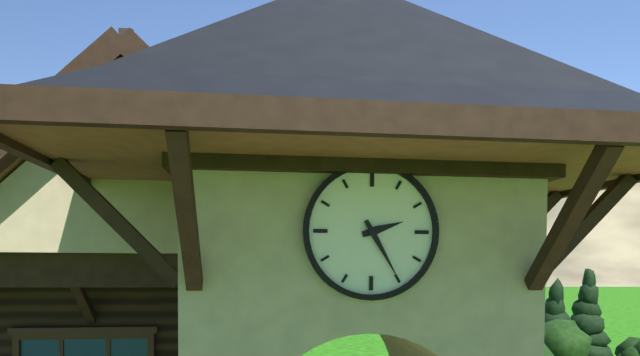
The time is 2:25
